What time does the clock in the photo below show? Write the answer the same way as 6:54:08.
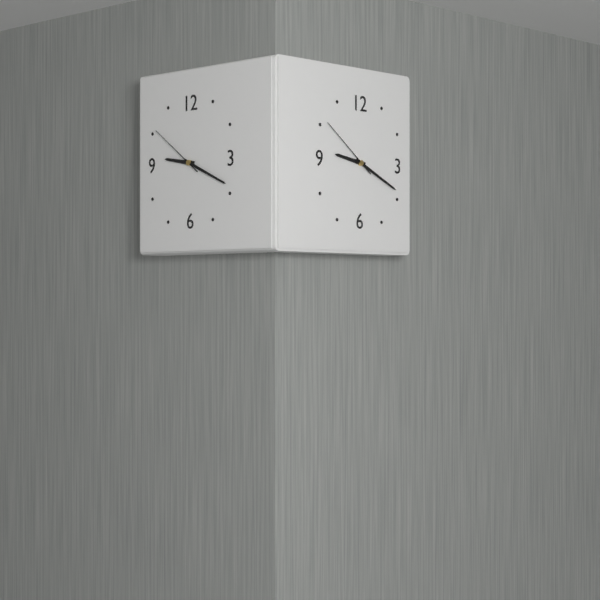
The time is 9:19:51
